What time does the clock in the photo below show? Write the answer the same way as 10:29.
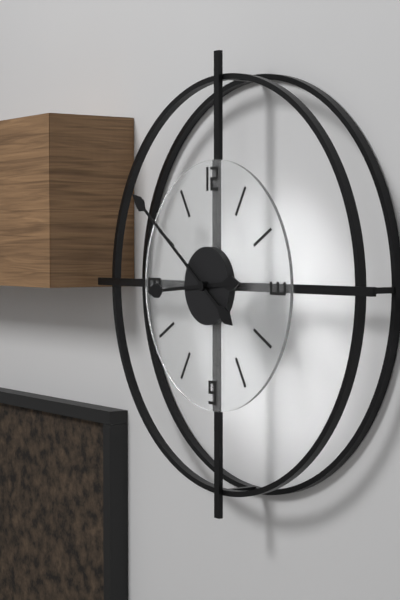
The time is 8:51
